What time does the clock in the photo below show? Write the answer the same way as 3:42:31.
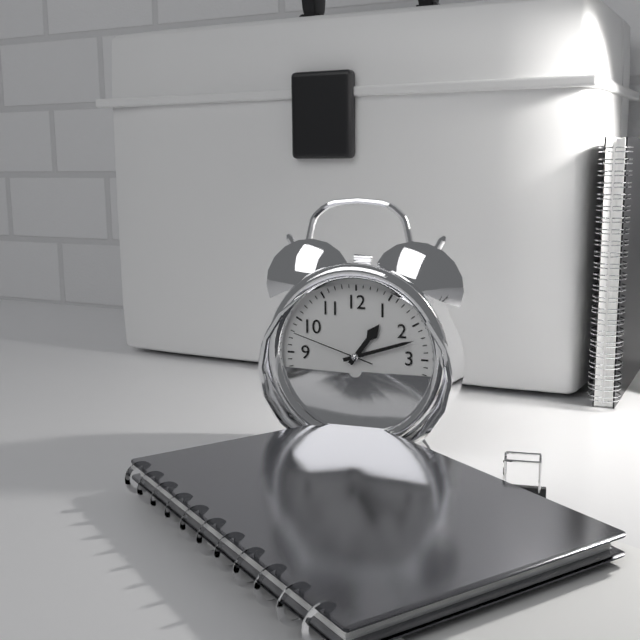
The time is 1:12:48
